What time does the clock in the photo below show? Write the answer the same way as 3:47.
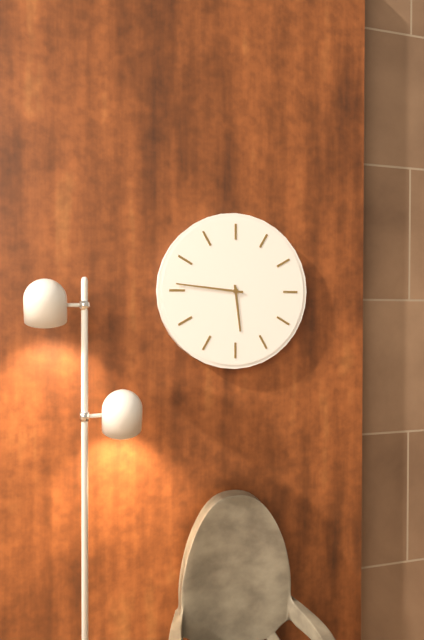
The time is 5:46
